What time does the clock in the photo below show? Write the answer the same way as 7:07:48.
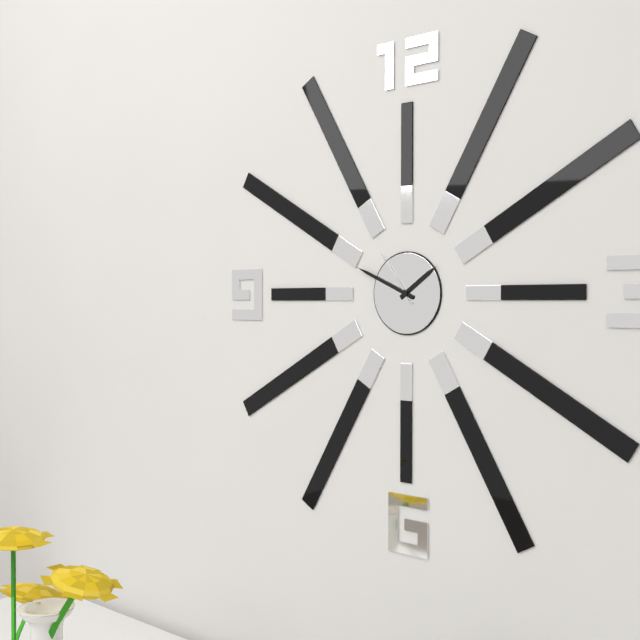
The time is 1:49:54
